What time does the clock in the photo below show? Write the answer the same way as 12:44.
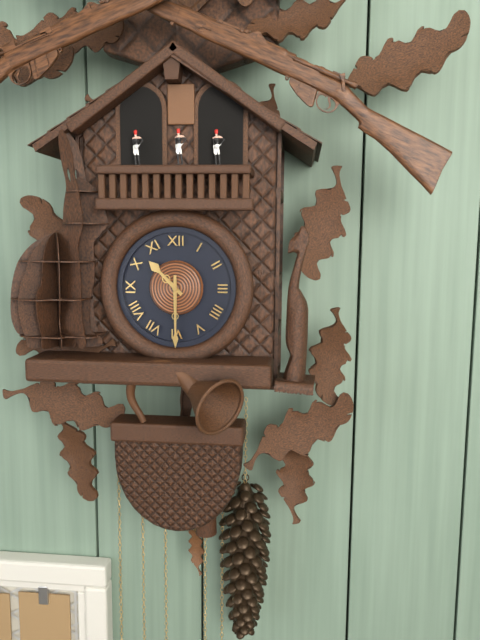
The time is 10:30
